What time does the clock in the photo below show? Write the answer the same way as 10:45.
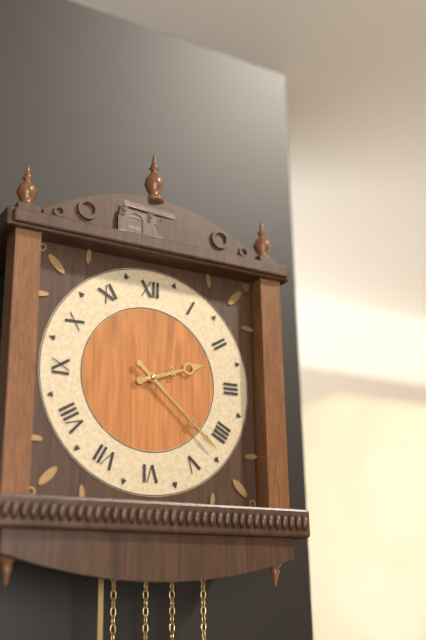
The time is 2:22
